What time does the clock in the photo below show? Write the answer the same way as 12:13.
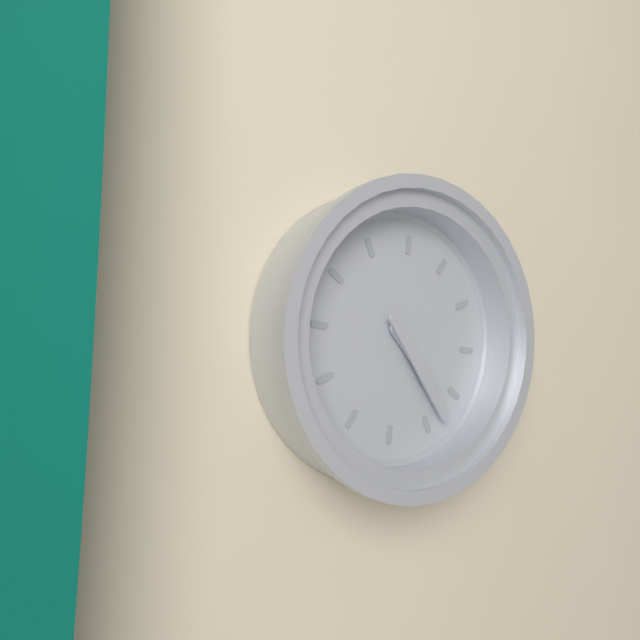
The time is 4:23
